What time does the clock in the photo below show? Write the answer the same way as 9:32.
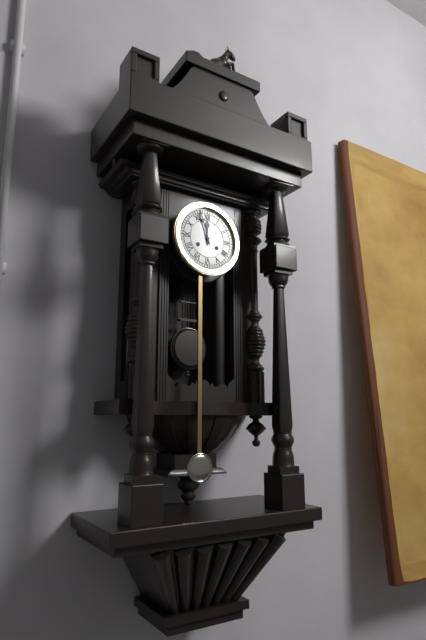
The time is 11:57
